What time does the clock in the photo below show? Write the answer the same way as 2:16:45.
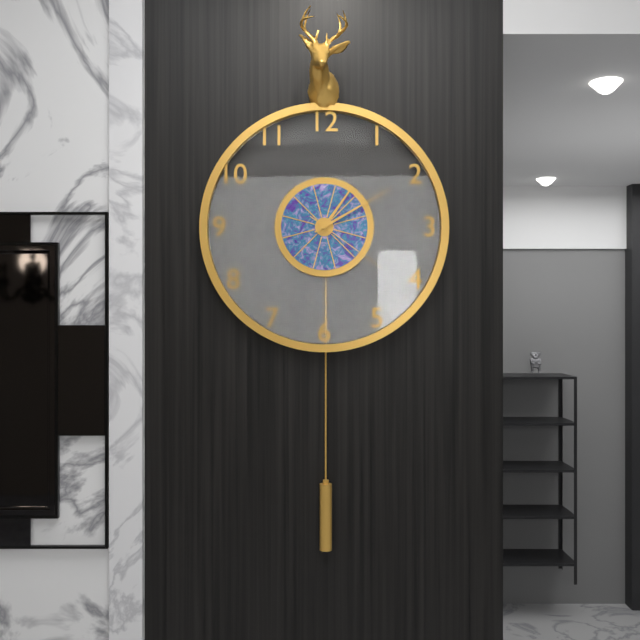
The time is 1:10:21
